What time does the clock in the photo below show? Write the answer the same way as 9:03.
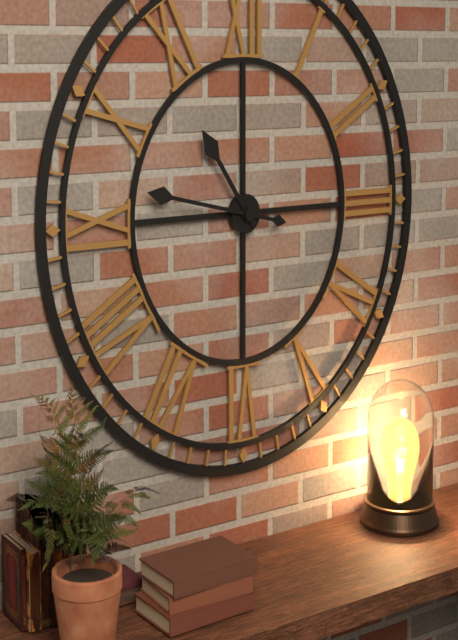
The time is 10:47
